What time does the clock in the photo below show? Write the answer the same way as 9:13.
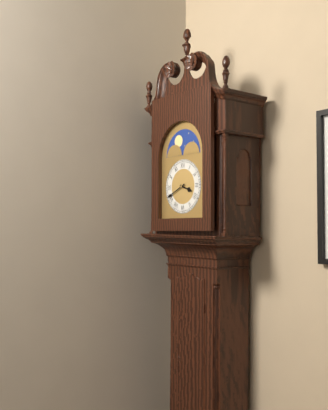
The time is 3:41
